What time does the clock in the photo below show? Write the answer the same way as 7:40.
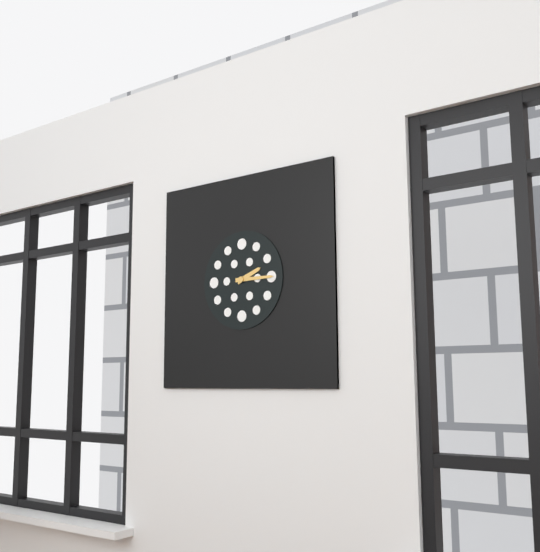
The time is 2:15
